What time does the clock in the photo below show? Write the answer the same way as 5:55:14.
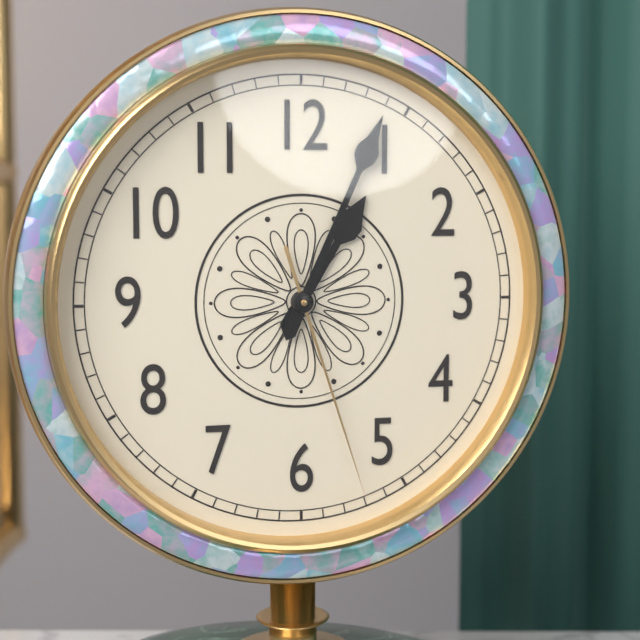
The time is 1:04:27
